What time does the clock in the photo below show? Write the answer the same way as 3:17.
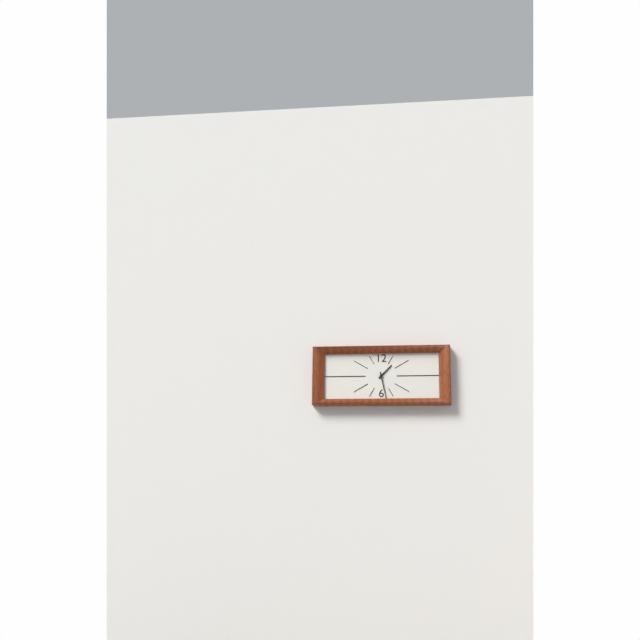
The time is 1:28
